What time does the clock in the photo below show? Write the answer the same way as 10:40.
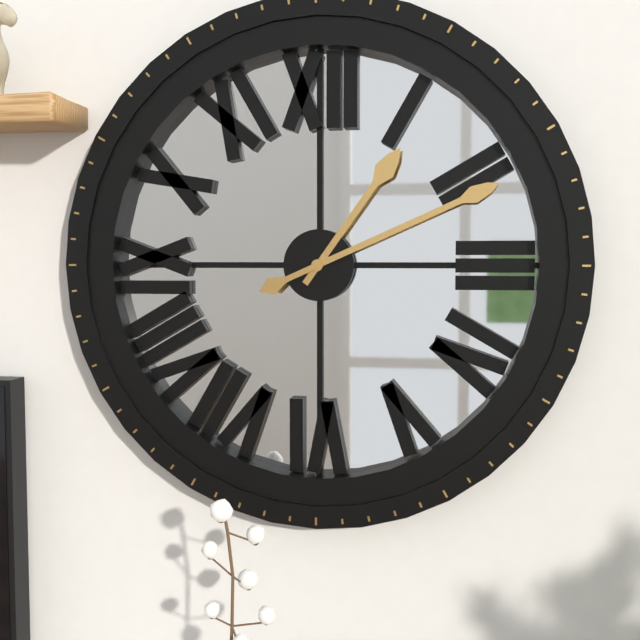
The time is 1:11
